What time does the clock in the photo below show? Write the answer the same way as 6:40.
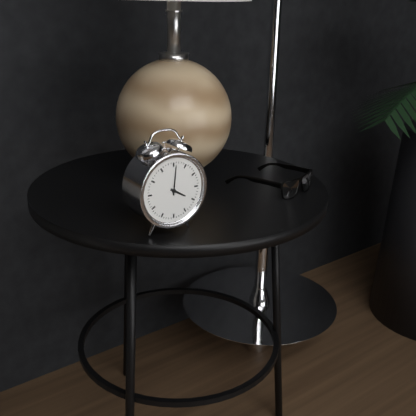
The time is 4:01
